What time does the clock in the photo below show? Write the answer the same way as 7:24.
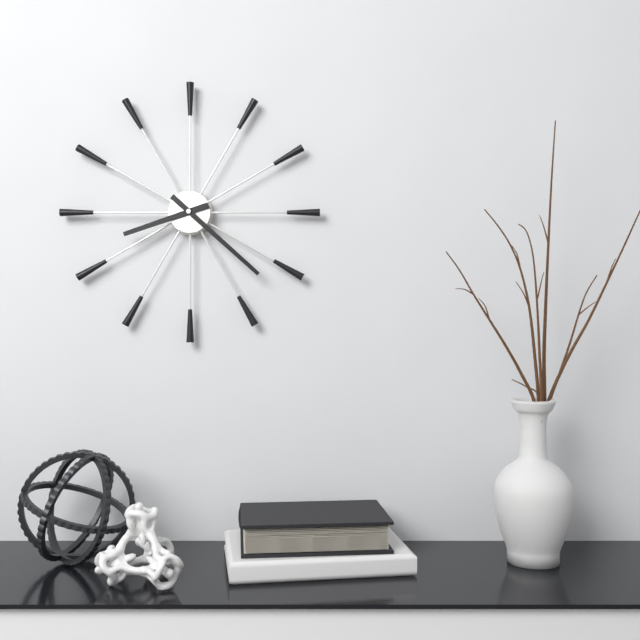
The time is 8:22
